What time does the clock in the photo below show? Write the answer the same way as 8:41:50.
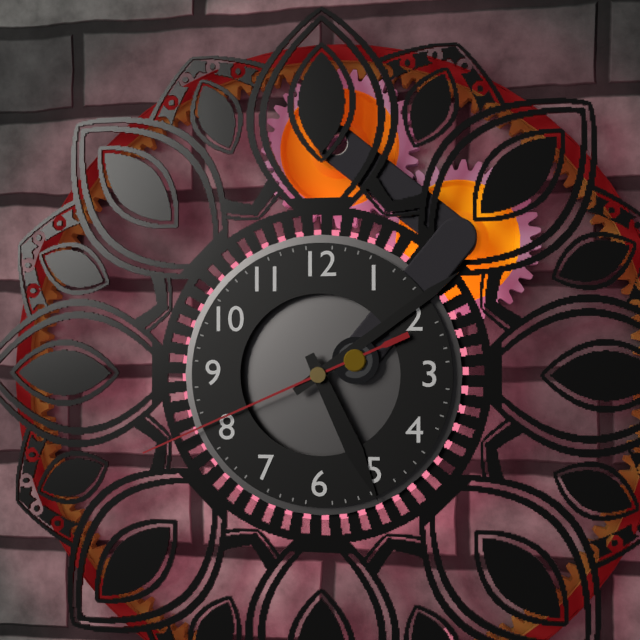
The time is 5:09:41
